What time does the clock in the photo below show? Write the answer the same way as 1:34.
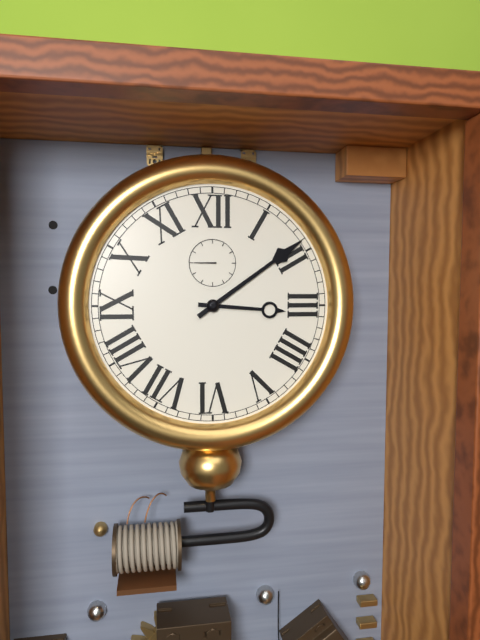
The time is 3:09
